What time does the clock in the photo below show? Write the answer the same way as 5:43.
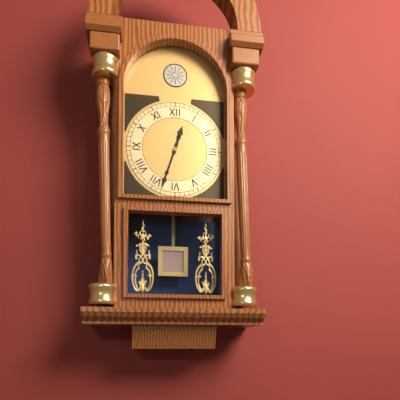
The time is 12:33
